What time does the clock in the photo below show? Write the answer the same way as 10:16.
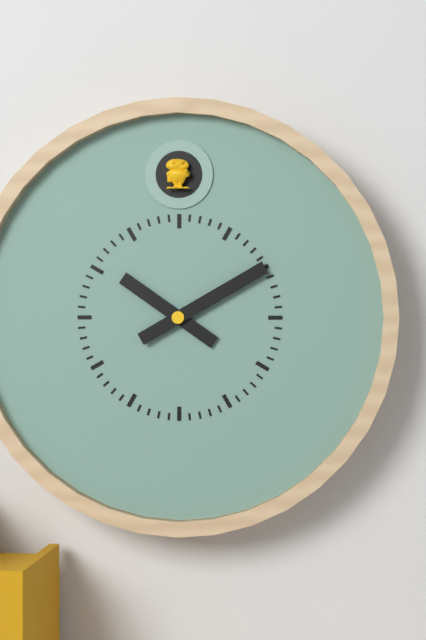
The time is 10:10
